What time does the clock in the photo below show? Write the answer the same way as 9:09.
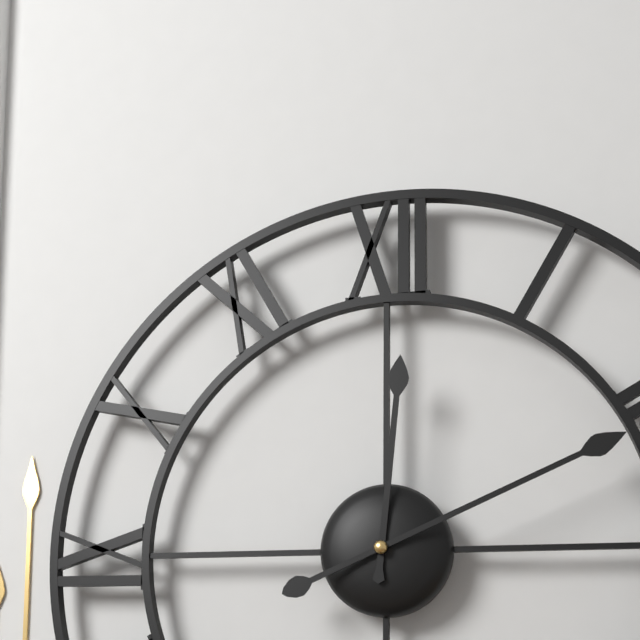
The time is 12:11
